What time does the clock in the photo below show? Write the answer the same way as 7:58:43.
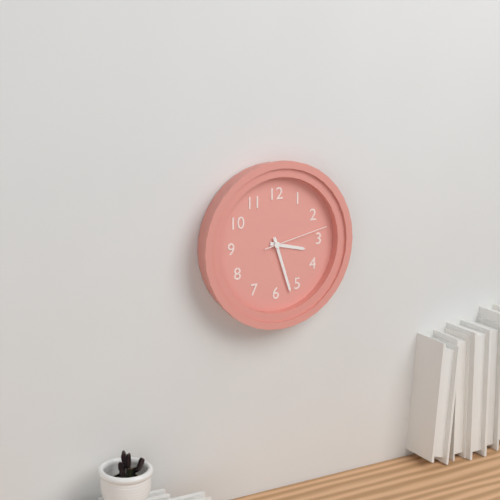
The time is 3:27:13
